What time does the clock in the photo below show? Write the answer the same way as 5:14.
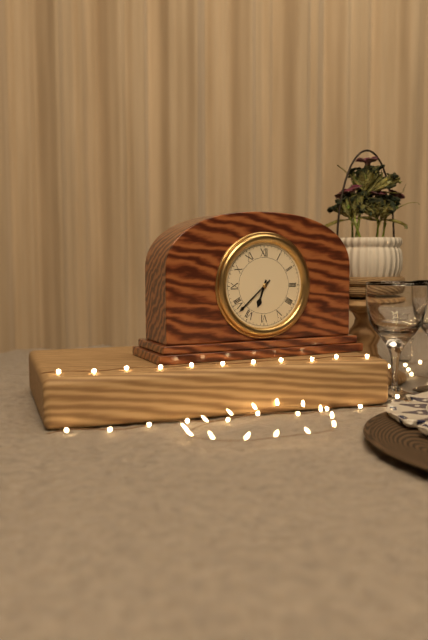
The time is 6:38
